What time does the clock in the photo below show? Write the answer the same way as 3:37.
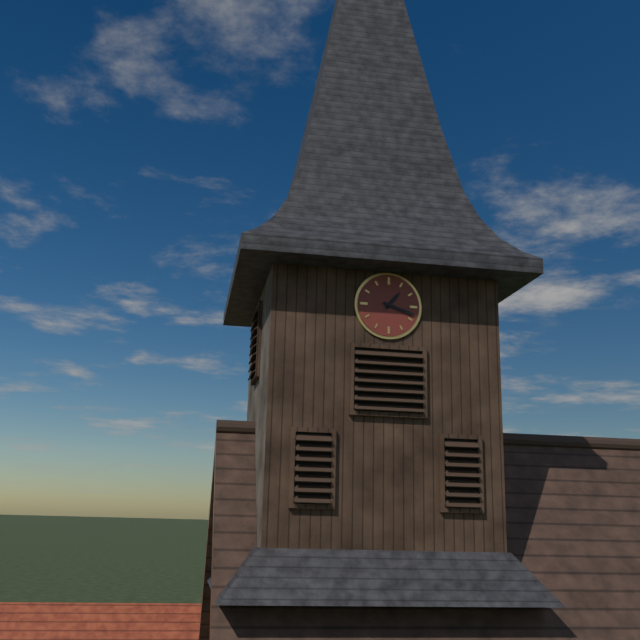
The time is 1:18
